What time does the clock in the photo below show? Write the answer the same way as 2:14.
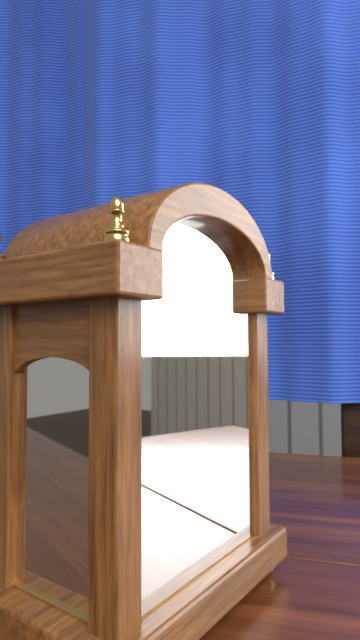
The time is 4:54
